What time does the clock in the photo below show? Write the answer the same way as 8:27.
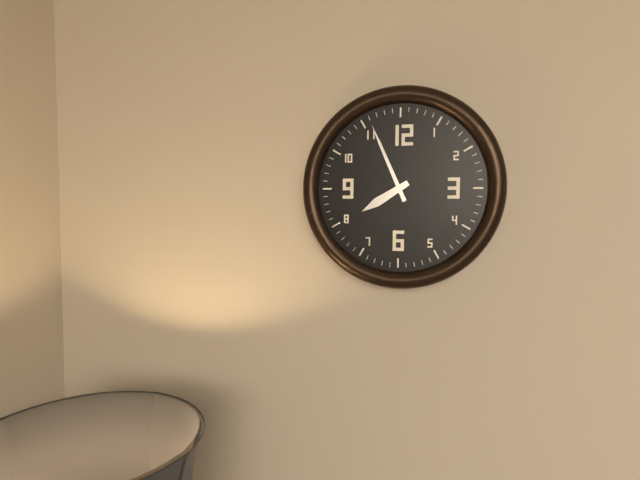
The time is 7:56
